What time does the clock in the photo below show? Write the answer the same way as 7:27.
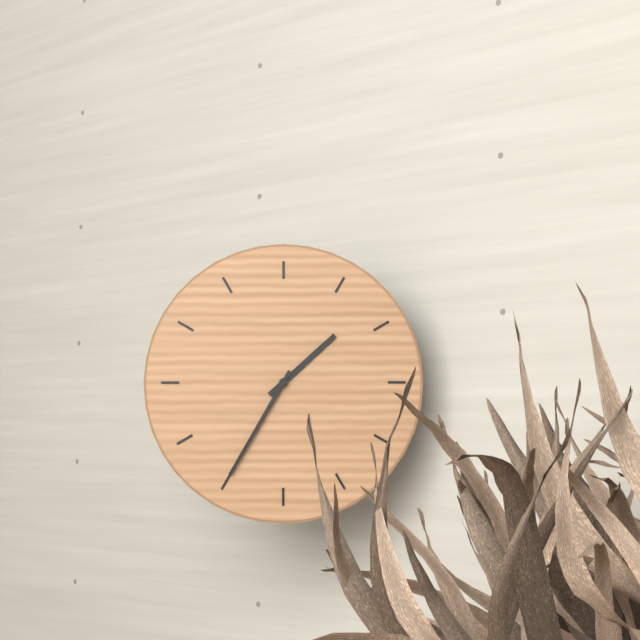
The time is 1:35
